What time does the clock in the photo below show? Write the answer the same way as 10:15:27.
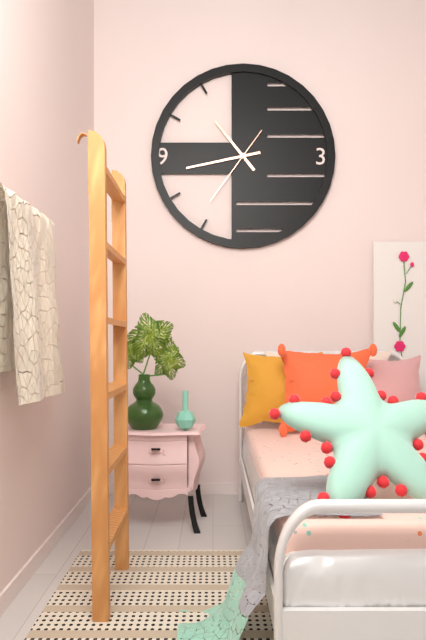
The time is 10:43:36
